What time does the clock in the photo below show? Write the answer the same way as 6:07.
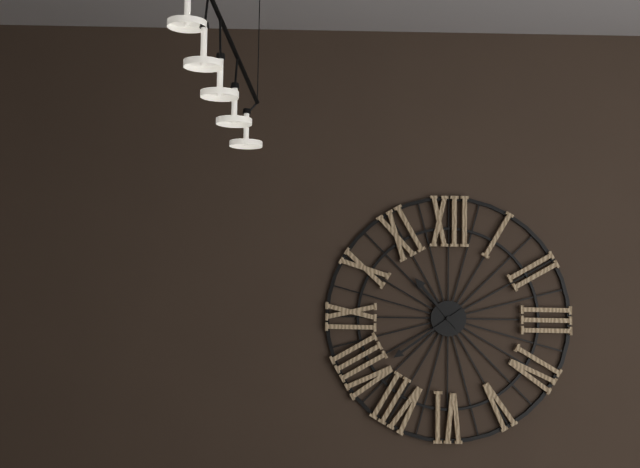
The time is 10:39
